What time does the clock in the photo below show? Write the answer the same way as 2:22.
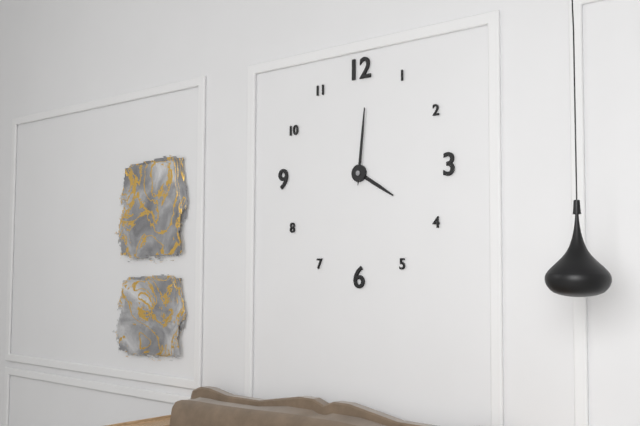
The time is 4:01
